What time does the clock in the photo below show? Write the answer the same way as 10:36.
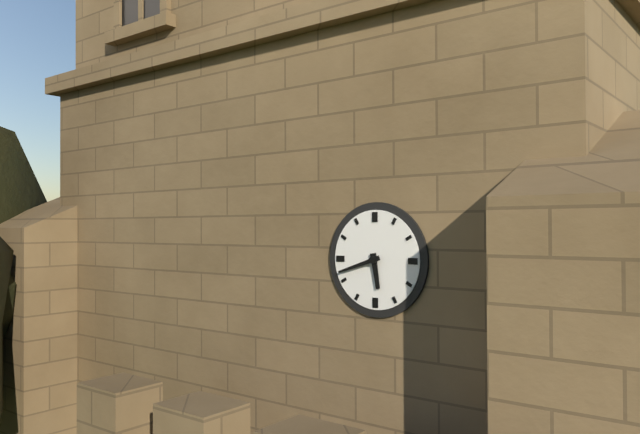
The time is 5:42
